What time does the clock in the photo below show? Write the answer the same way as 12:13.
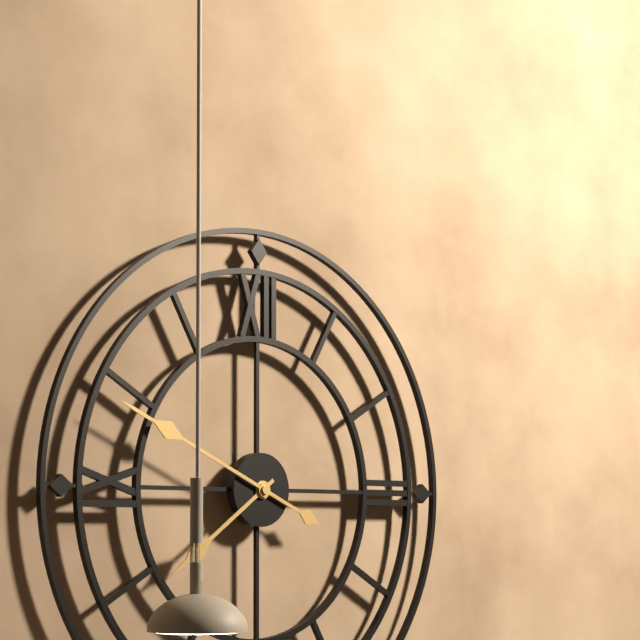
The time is 7:49
